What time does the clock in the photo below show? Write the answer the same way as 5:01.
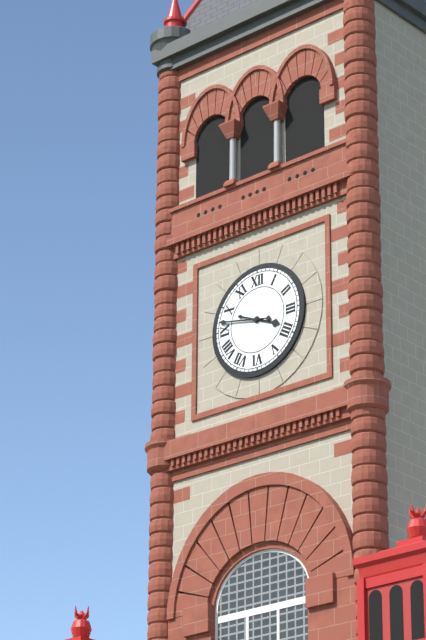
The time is 3:47
